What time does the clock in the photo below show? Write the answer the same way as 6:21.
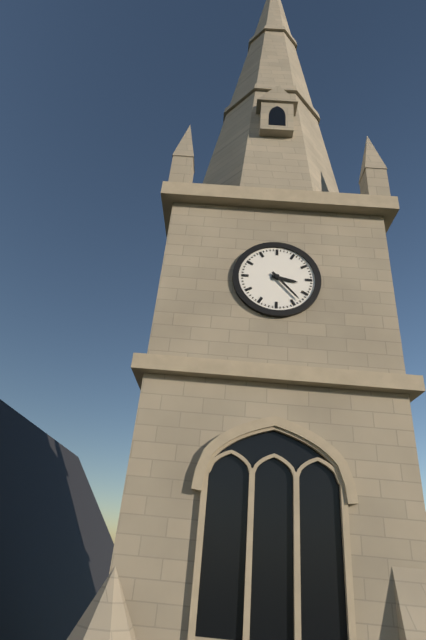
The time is 3:23
